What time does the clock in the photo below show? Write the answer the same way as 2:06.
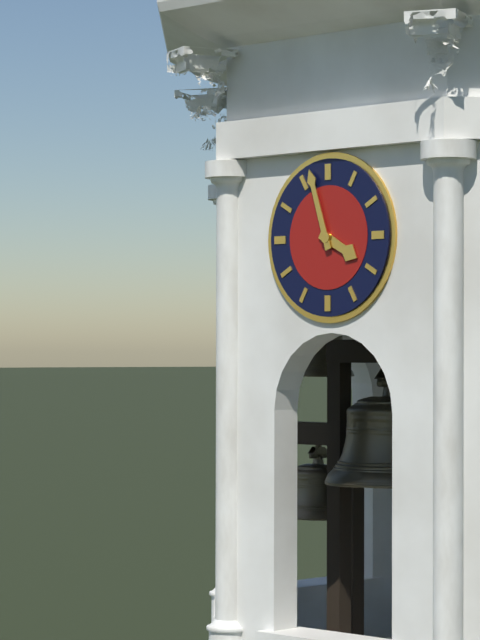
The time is 3:57
